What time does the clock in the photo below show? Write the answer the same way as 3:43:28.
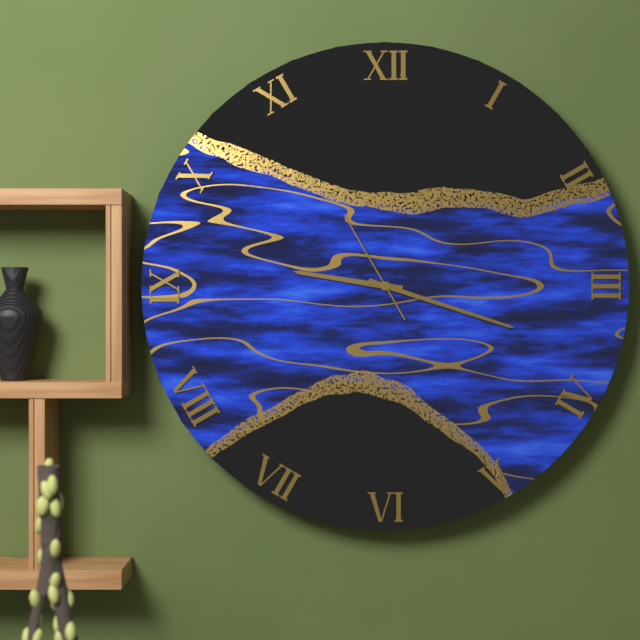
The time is 9:18:55
